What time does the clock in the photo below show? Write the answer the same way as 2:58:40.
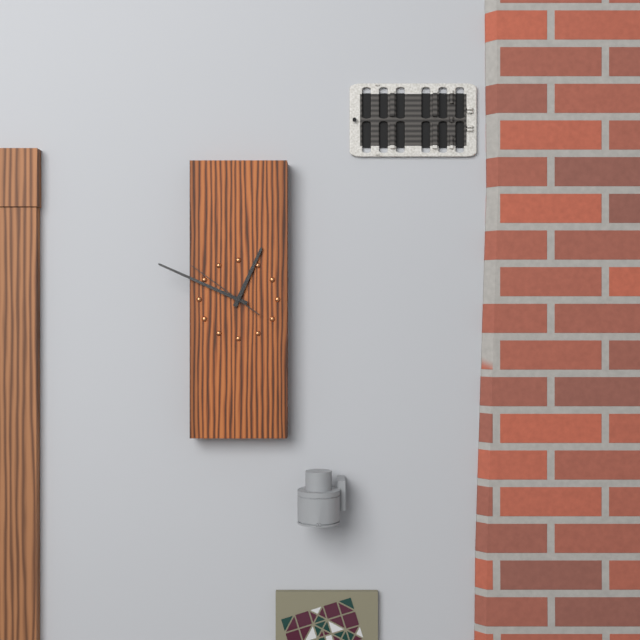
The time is 12:49:51
